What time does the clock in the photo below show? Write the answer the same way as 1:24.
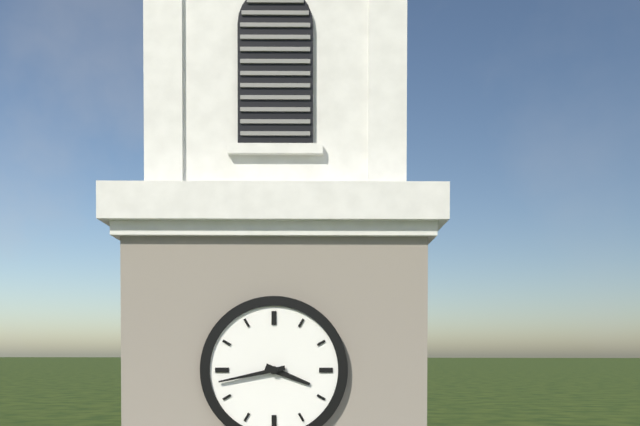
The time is 3:43
